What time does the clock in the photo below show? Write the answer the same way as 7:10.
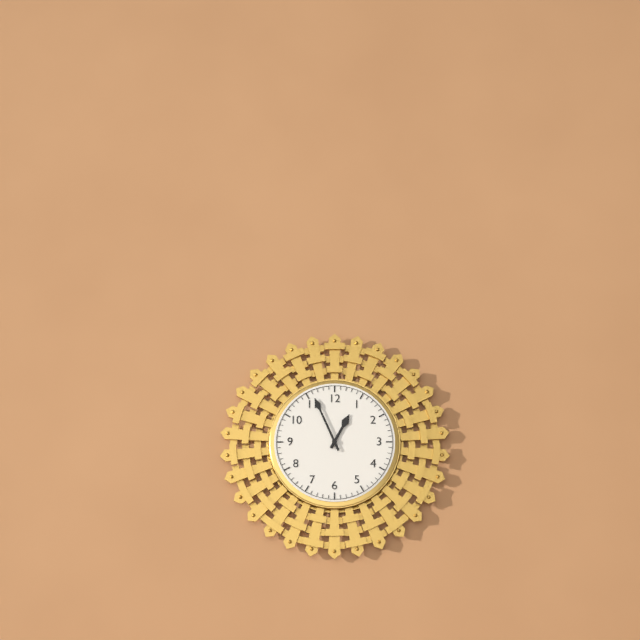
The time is 12:56
